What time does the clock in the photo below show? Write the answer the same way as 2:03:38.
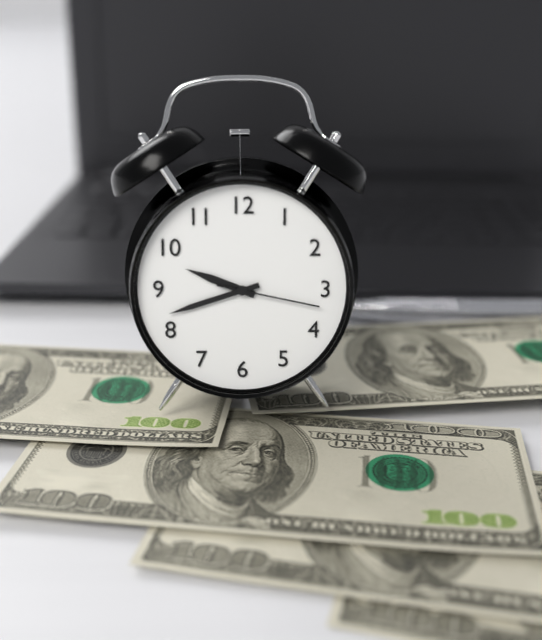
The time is 9:42:17
